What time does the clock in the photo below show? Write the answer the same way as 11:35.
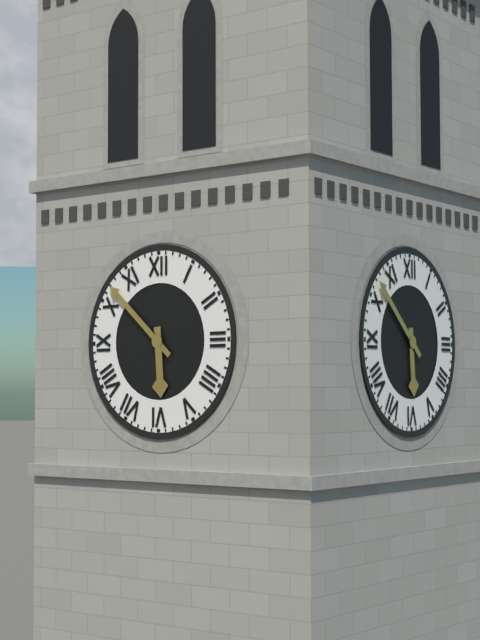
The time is 5:52
